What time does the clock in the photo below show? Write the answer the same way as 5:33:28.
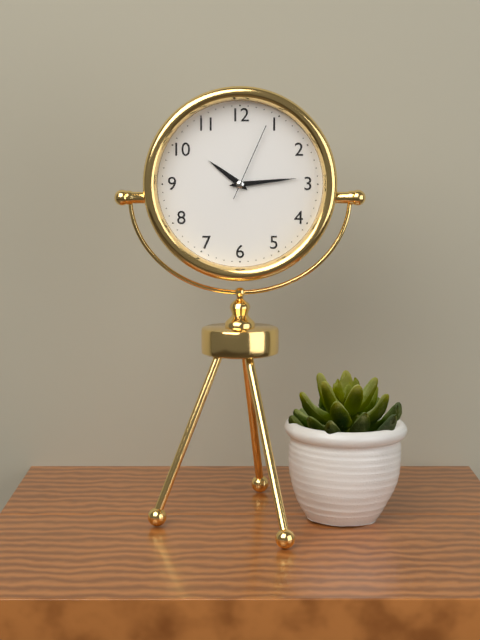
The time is 10:14:04
